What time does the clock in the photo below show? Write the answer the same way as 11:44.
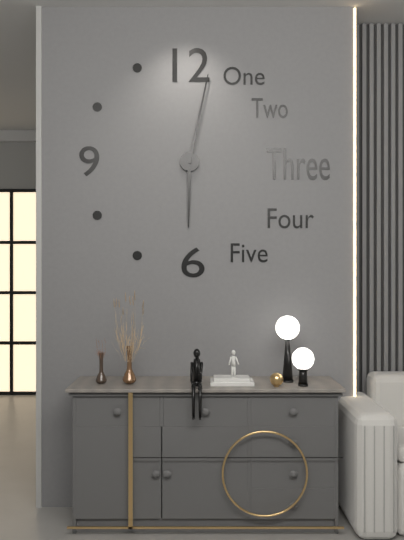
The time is 6:02
